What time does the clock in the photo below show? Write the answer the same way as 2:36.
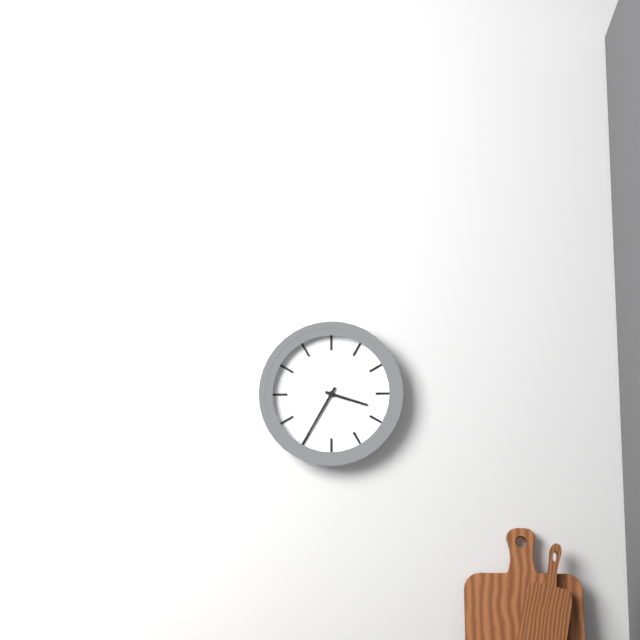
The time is 3:35
